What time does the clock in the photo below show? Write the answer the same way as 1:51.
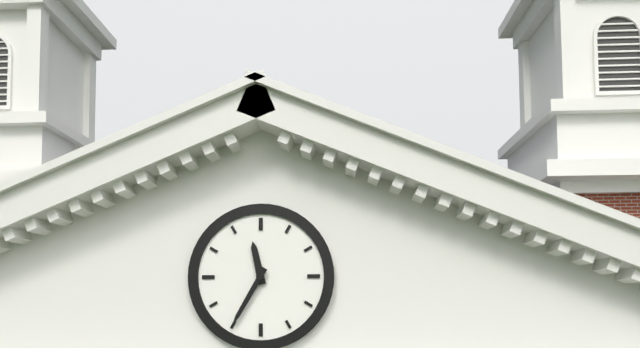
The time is 11:35
